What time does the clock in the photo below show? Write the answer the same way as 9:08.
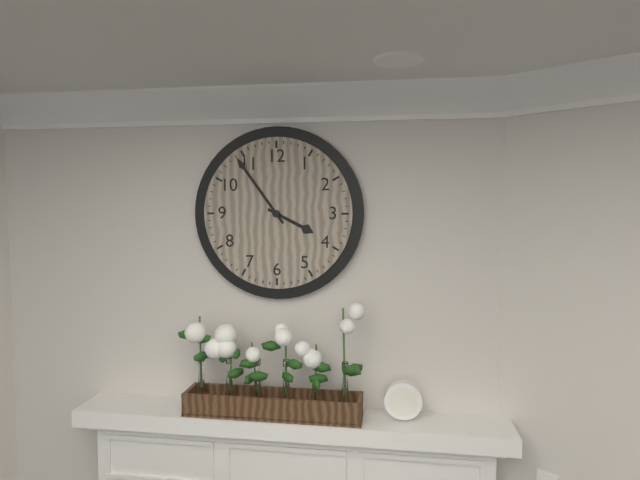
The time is 3:54
